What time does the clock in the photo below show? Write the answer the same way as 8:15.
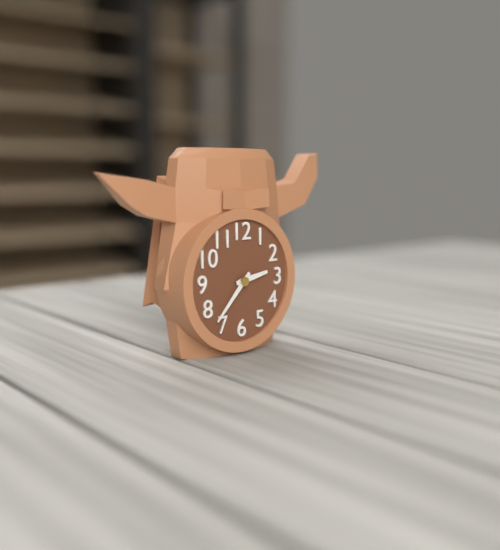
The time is 2:37
